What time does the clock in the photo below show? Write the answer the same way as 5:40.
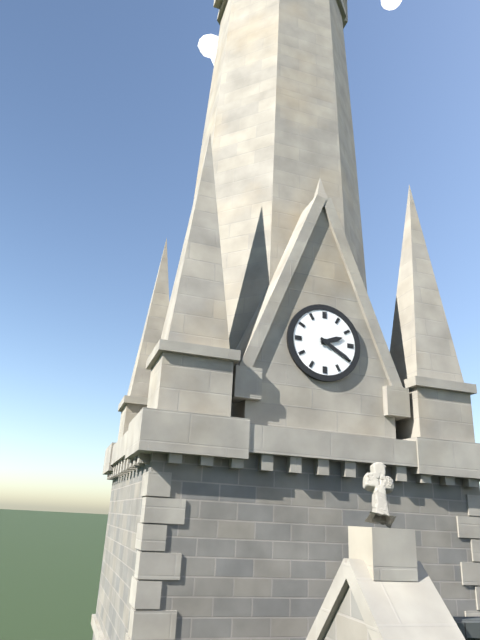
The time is 2:20
